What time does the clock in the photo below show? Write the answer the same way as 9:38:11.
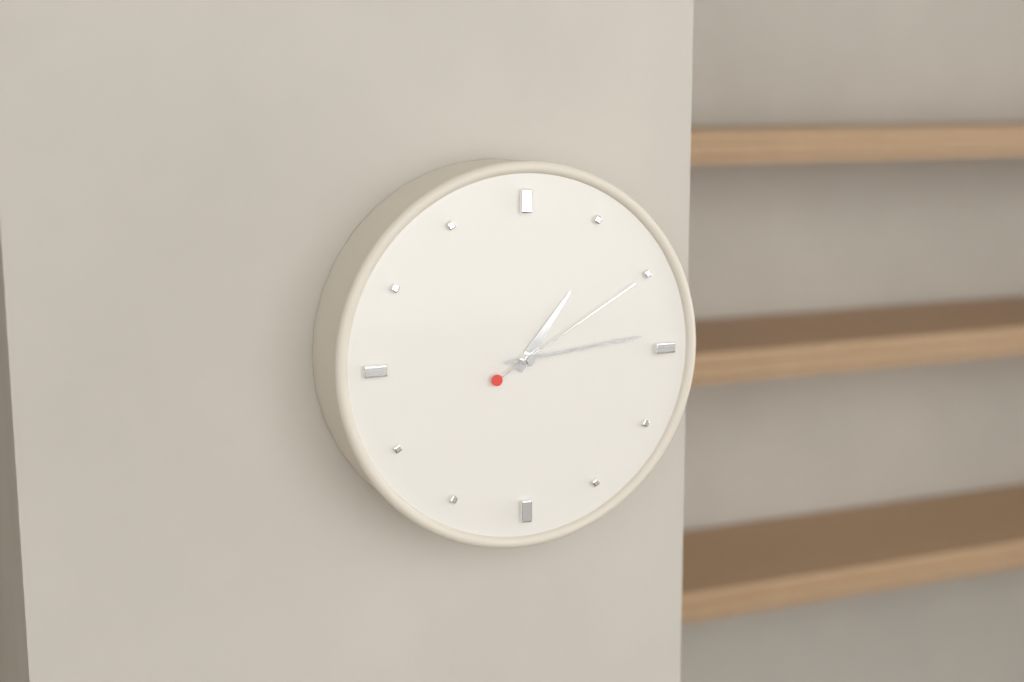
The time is 1:14:10
